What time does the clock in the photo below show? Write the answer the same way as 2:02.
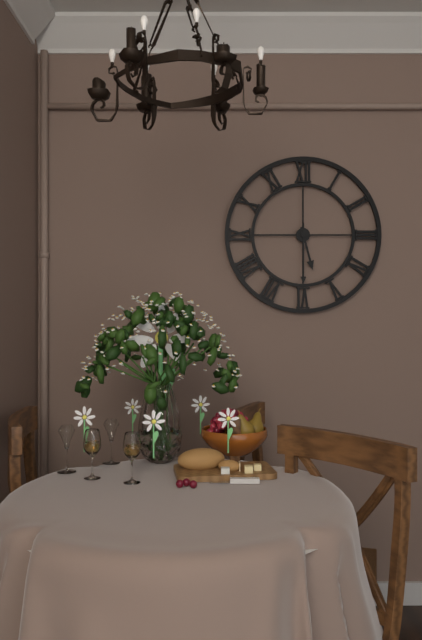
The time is 5:30
